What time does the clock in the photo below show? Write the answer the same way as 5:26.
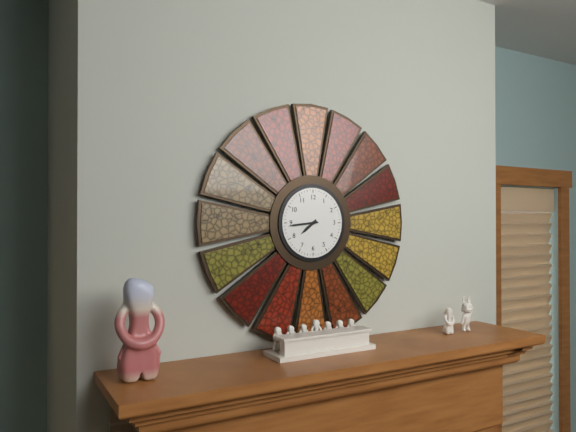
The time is 7:44
